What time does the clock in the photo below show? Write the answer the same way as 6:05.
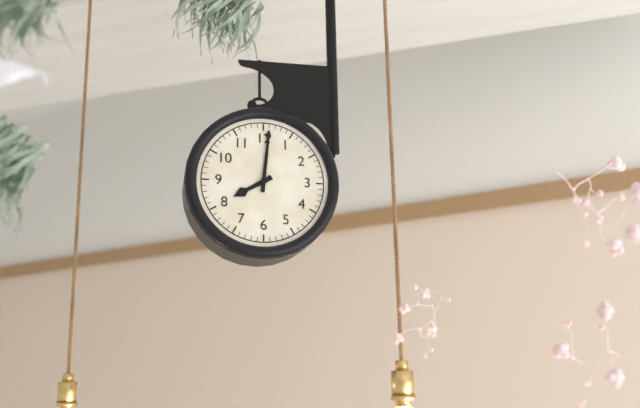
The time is 8:01
